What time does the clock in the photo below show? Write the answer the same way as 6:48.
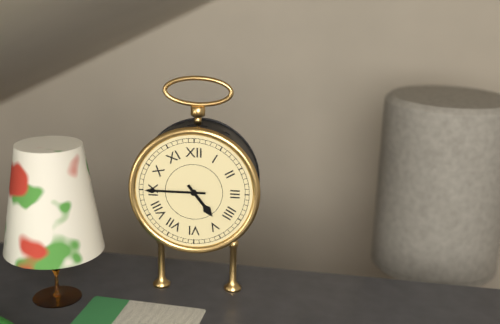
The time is 4:45
